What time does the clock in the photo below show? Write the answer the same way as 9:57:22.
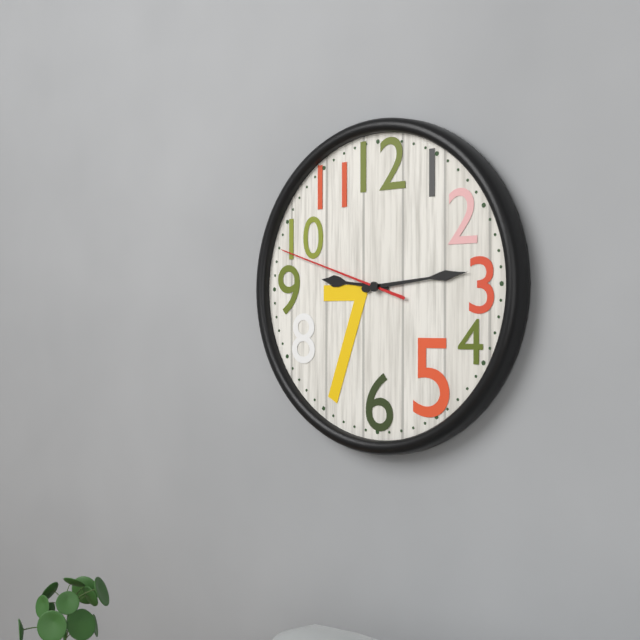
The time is 9:14:48
